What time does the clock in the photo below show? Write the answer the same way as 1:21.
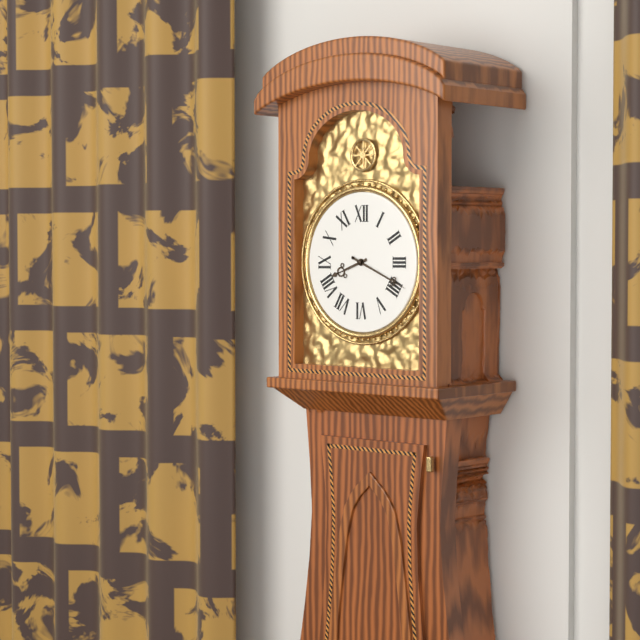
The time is 8:19
